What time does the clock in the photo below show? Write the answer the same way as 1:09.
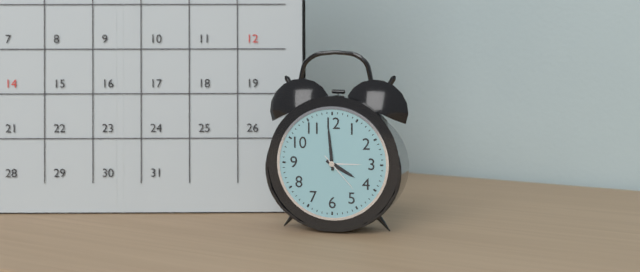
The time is 3:59
